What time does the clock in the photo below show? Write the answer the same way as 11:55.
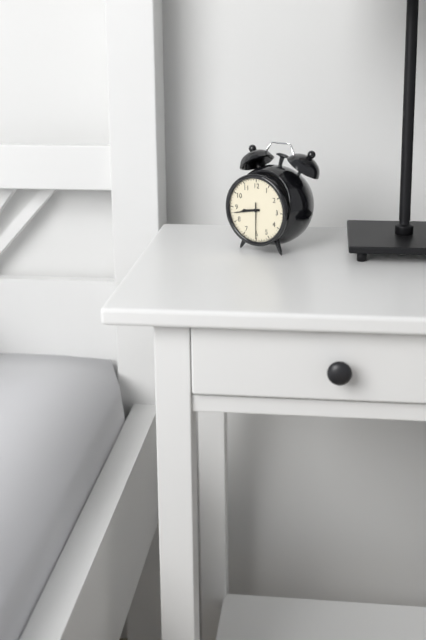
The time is 8:43
